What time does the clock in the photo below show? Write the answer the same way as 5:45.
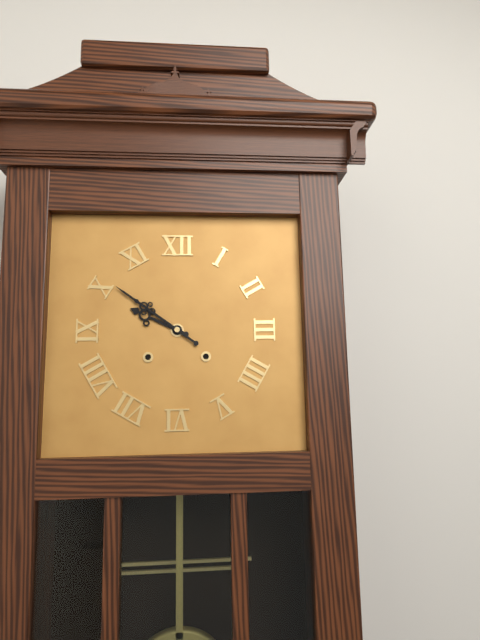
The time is 9:51
